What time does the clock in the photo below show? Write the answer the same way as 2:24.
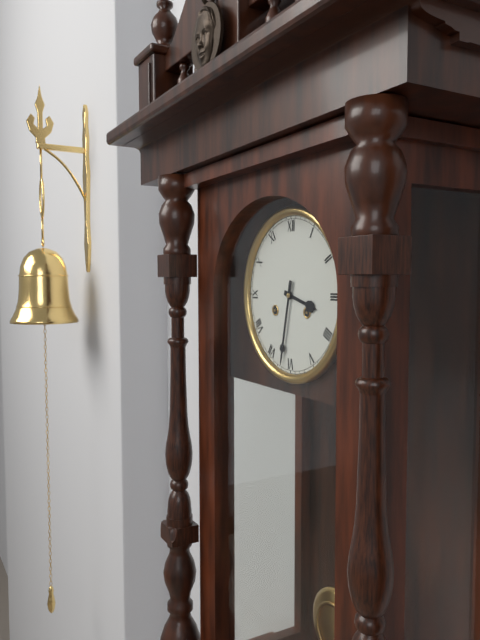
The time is 3:32
